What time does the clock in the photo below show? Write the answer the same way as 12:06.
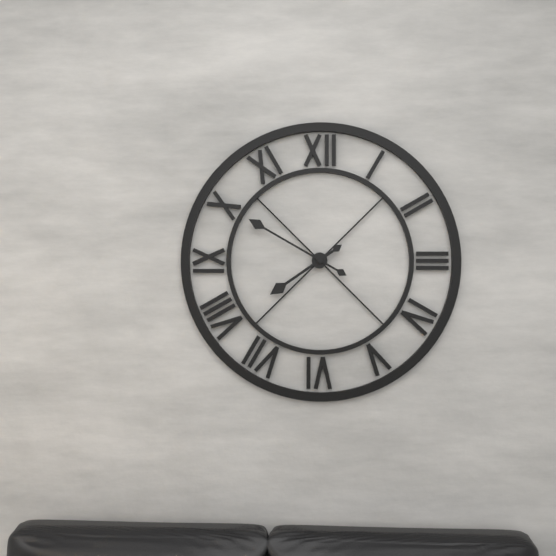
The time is 7:50
